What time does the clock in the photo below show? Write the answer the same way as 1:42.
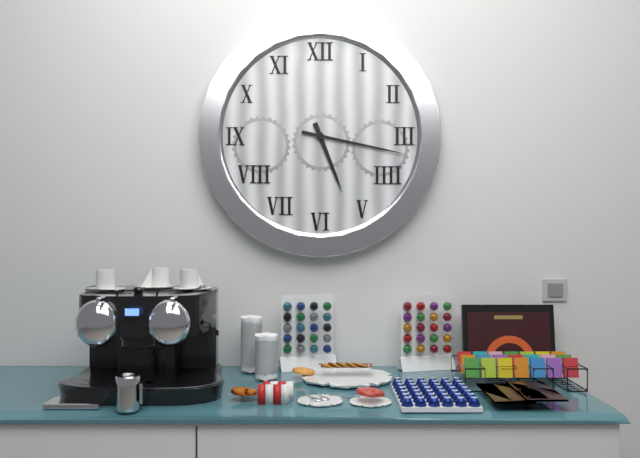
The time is 5:17
